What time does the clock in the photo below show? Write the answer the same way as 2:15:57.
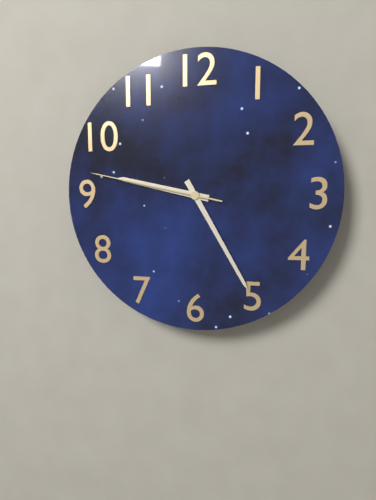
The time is 9:25:47
